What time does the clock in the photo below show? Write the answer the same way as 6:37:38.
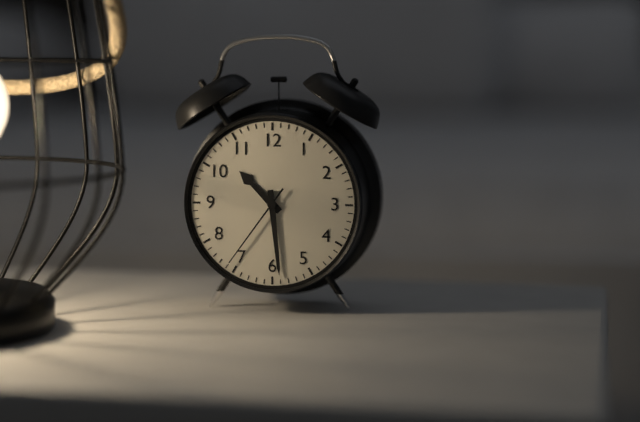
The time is 10:29:36
